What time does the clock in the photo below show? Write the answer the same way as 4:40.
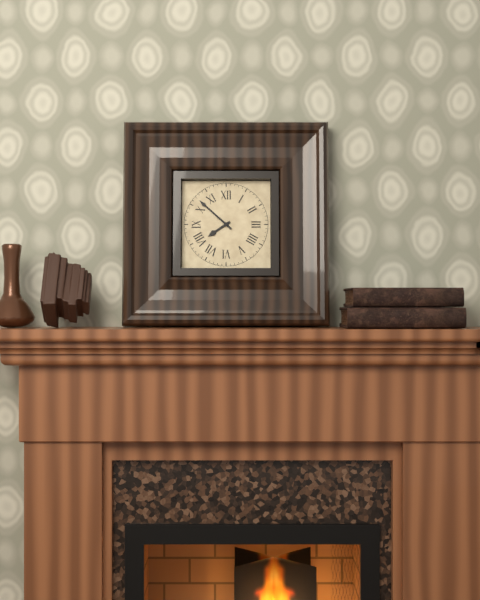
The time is 7:52
